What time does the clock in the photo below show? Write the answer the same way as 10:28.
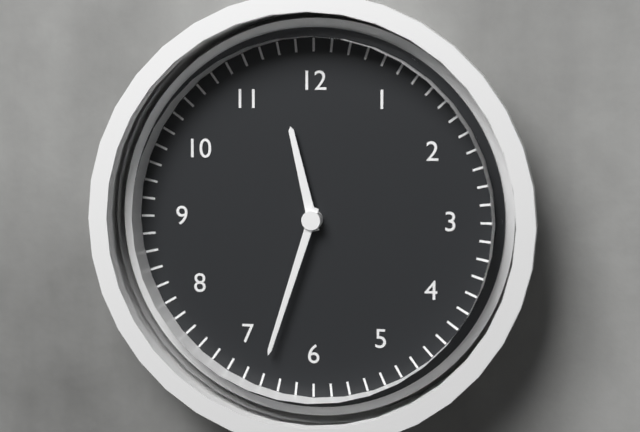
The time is 11:33
